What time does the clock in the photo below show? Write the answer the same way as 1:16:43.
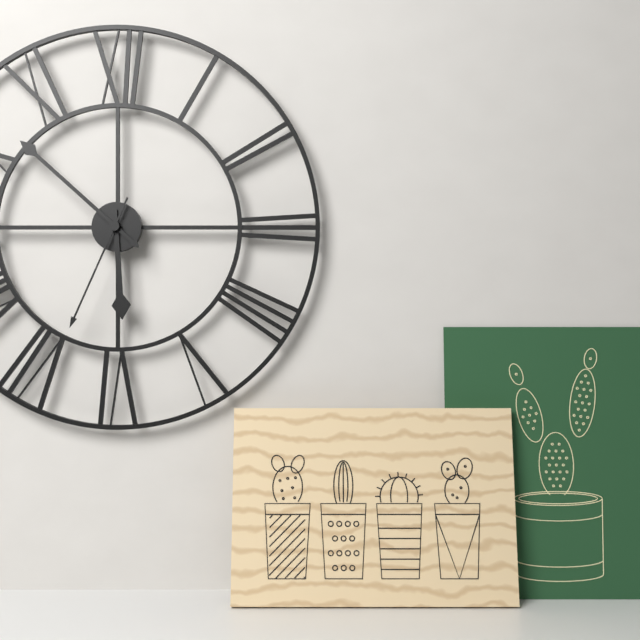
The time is 5:52:34
